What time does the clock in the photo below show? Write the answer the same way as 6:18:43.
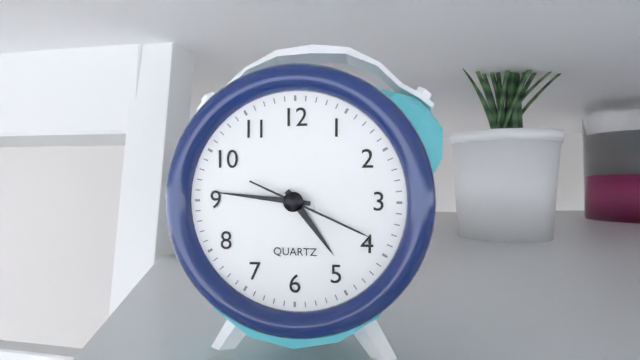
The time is 4:46:19
